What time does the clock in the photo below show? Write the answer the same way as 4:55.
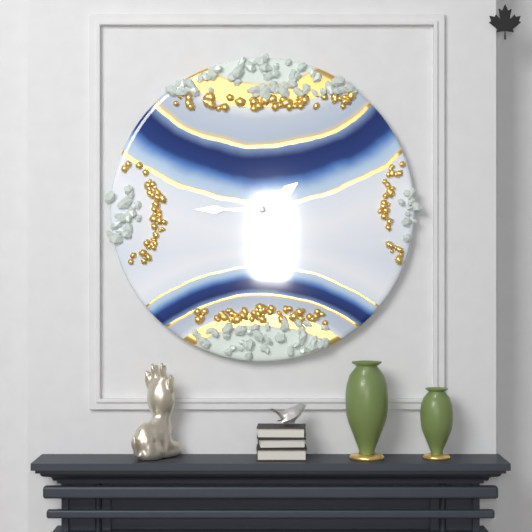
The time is 1:45
